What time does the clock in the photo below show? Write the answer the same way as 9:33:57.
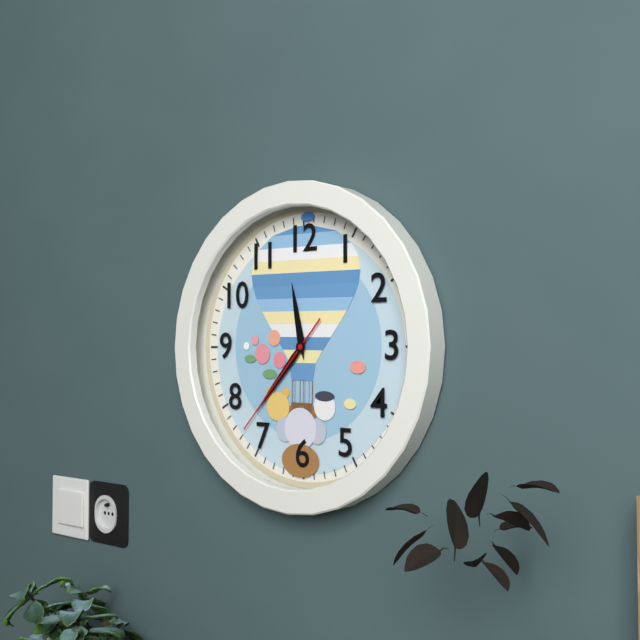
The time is 11:37:37
